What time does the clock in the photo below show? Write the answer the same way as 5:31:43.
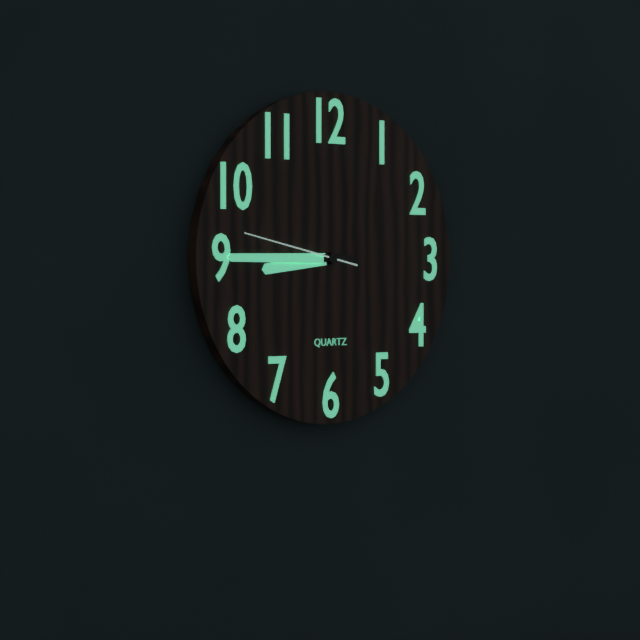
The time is 8:45:47
